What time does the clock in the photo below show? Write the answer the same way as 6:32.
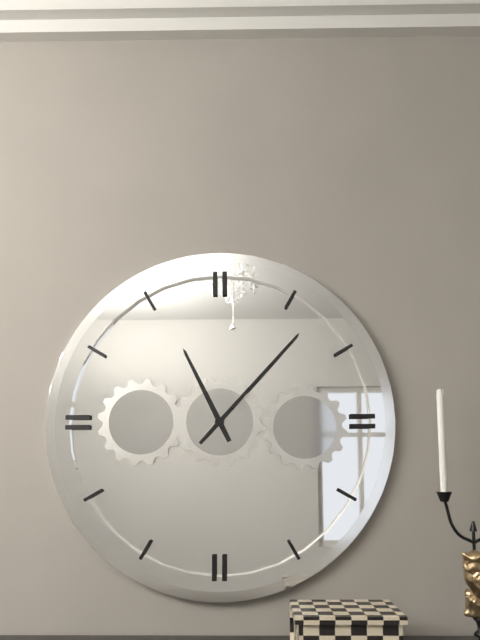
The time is 11:07
